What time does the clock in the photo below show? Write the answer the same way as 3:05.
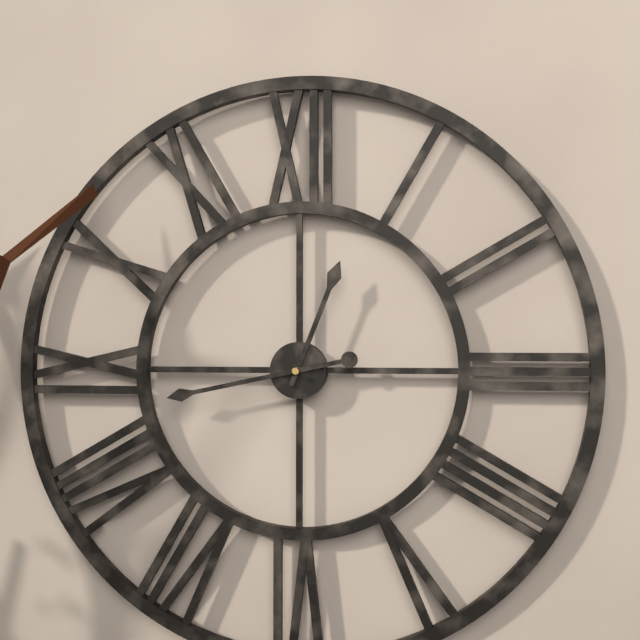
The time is 12:43
